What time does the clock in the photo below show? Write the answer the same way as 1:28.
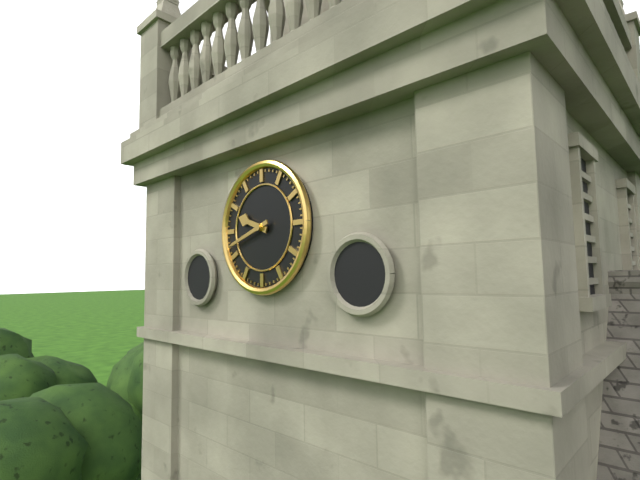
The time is 9:42
